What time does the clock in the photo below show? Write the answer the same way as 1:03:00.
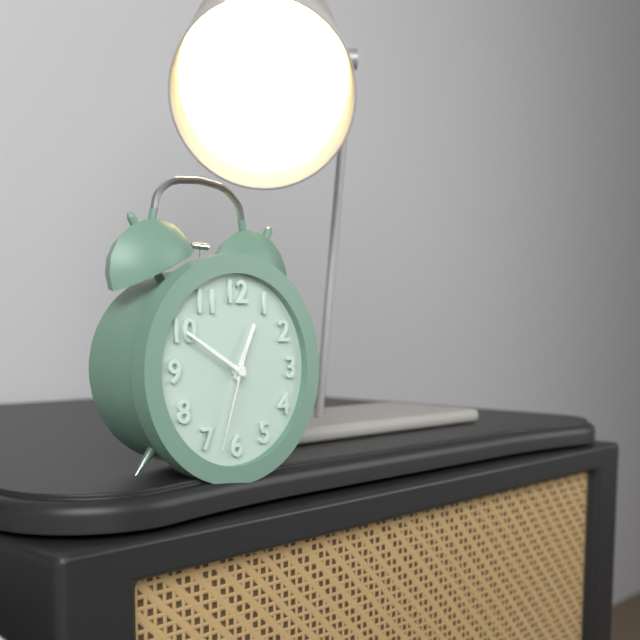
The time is 12:50:33
